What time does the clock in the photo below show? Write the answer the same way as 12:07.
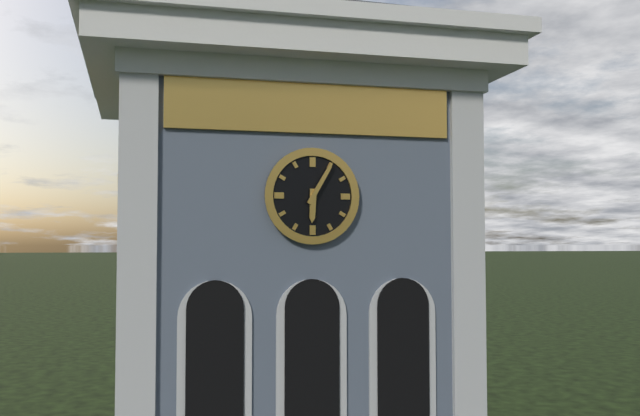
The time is 6:05
